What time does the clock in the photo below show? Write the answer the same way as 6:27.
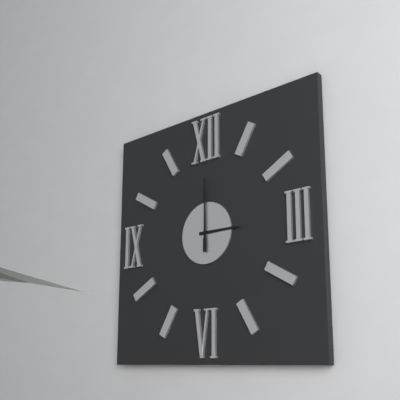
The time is 3:00
